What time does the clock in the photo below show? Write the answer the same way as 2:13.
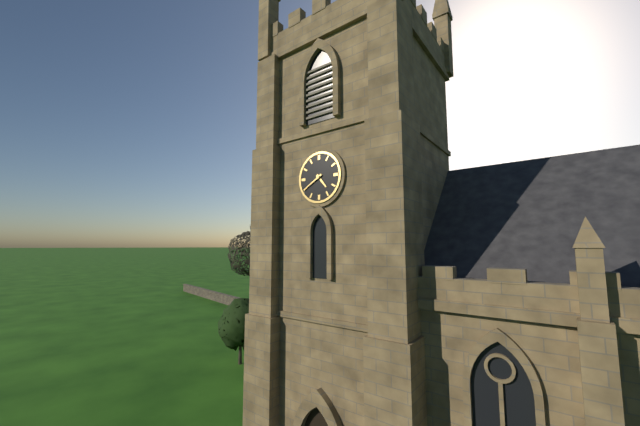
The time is 4:40
